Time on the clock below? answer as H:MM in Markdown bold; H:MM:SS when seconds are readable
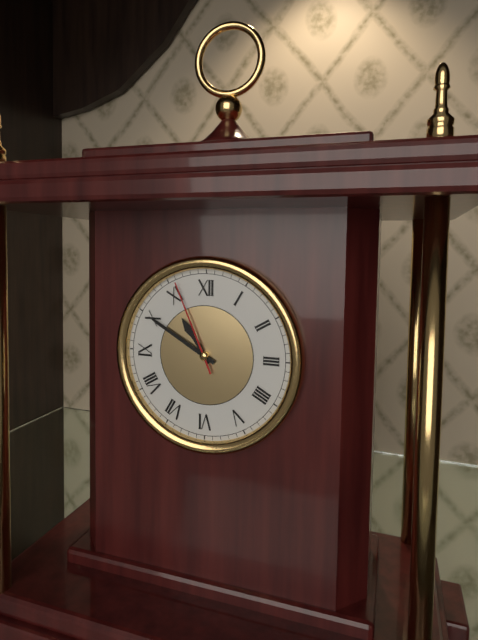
**10:50:56**
